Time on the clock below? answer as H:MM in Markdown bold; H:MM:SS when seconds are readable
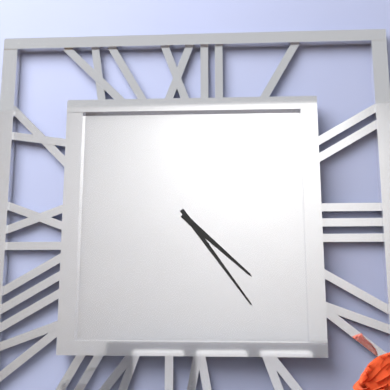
**4:24**
